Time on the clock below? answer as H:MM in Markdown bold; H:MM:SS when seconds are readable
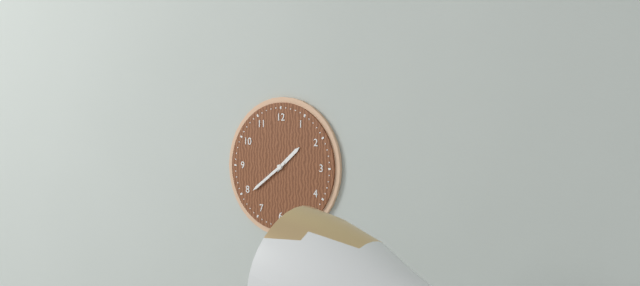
**1:39**
